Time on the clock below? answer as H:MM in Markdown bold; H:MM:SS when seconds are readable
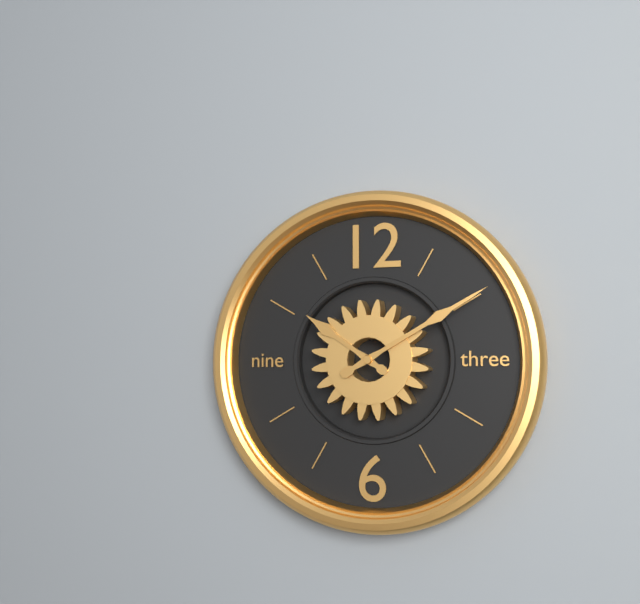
**10:10**
